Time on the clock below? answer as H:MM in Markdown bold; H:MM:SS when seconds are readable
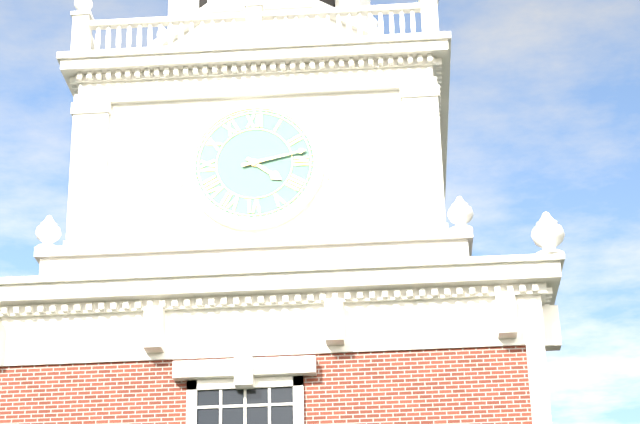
**4:13**
